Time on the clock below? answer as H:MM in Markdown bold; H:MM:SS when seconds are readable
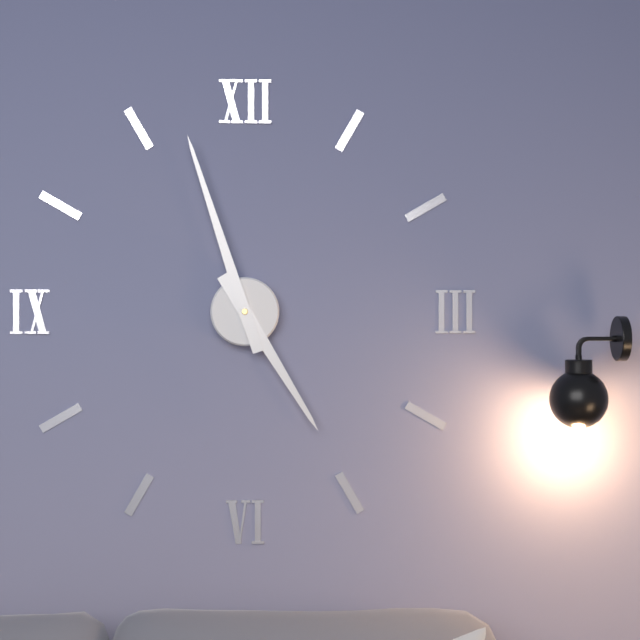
**4:57**
